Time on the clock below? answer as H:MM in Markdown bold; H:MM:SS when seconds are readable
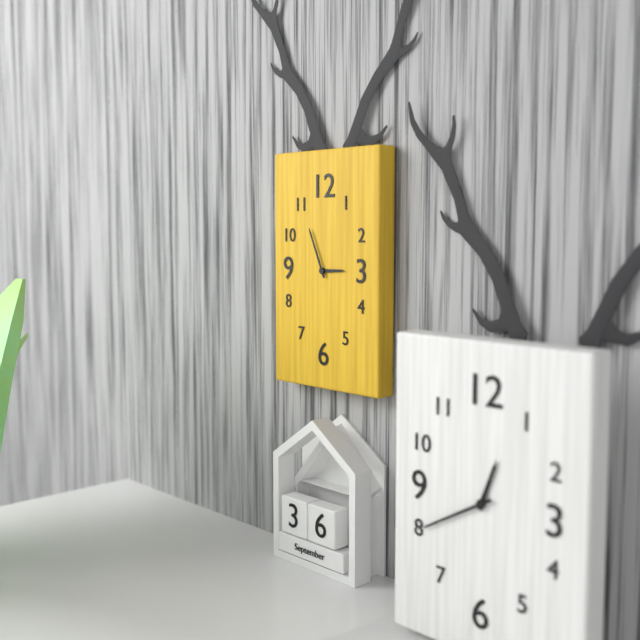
**2:56**
